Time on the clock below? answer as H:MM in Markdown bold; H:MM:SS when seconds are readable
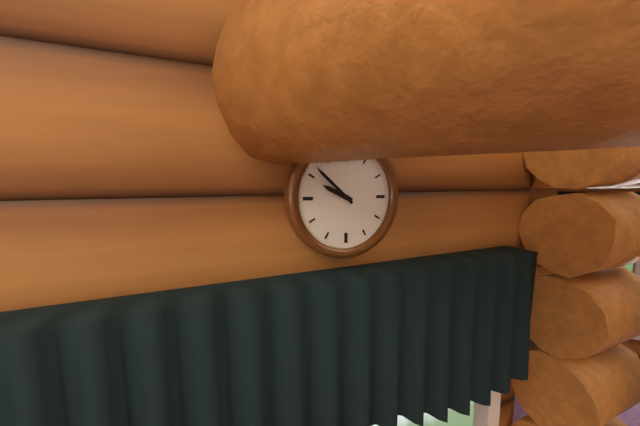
**9:52**
